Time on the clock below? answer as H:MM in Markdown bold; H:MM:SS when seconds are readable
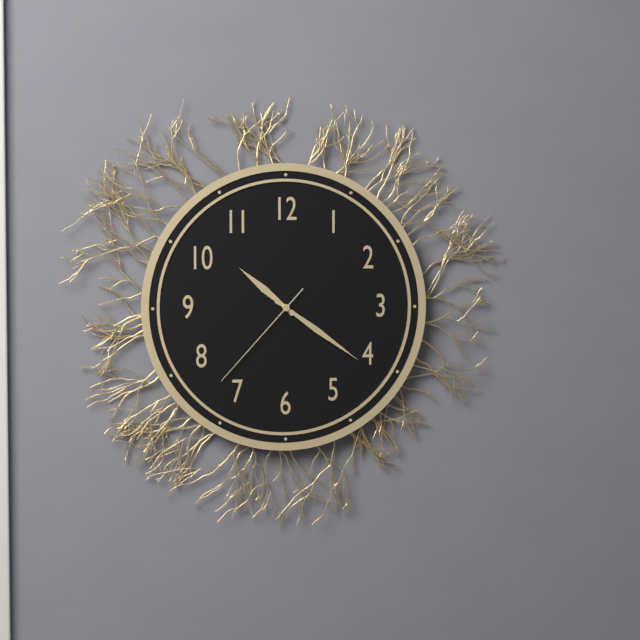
**10:21:37**
